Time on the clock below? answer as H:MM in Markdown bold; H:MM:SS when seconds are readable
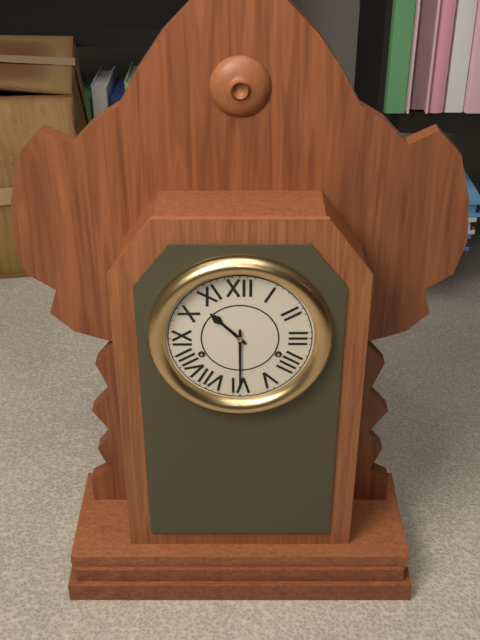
**10:30**
